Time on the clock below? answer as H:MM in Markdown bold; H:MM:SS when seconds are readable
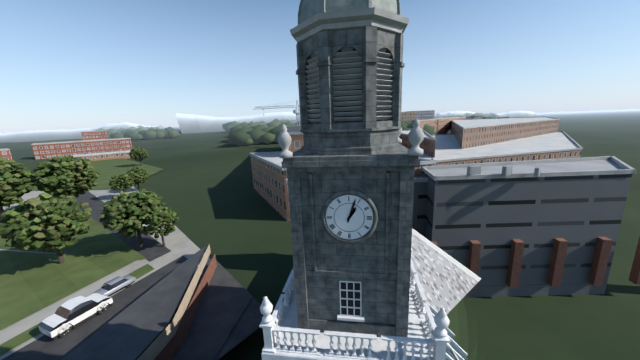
**1:03**
